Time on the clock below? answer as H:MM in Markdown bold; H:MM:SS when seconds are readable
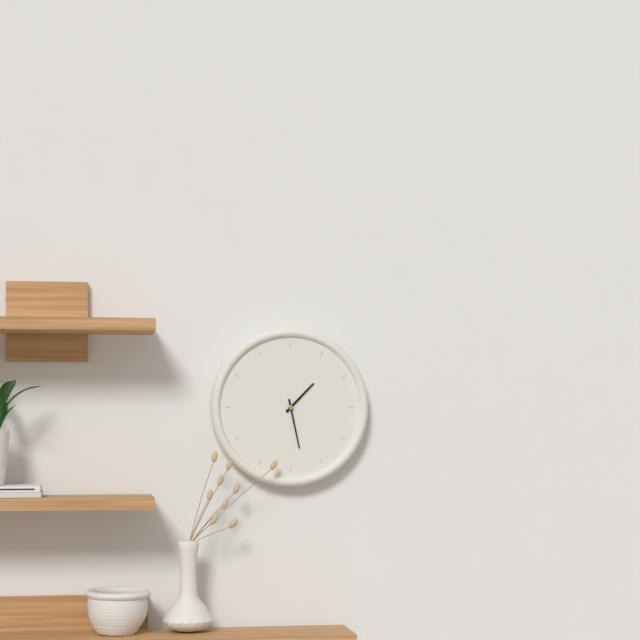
**1:28**
